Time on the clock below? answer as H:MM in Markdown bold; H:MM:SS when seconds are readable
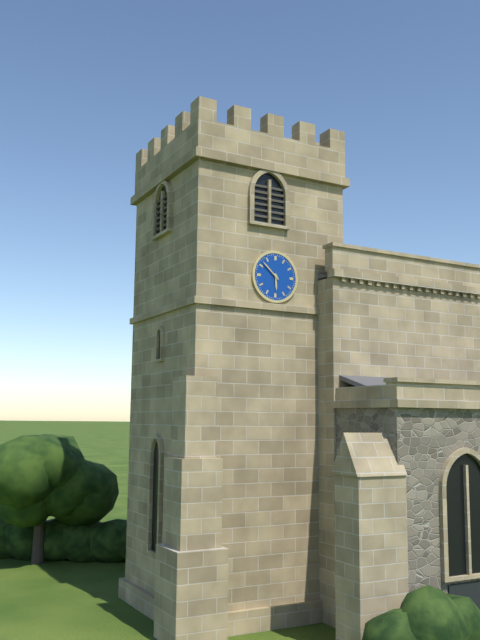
**5:52**
